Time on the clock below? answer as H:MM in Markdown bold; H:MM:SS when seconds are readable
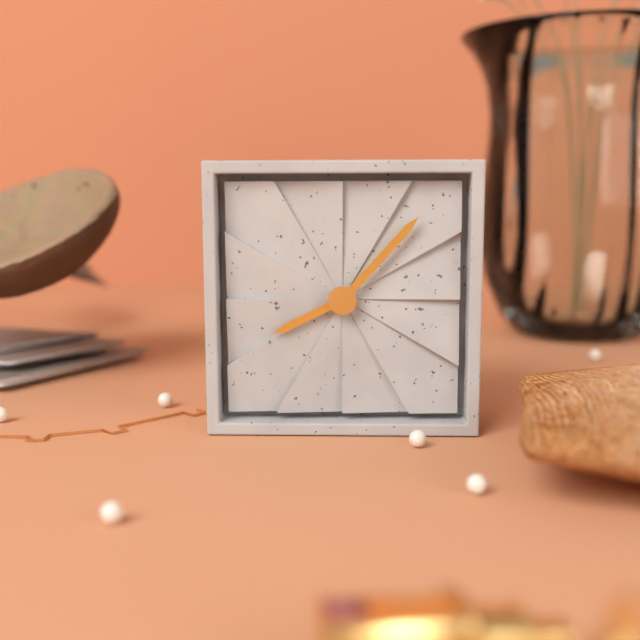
**8:07**
